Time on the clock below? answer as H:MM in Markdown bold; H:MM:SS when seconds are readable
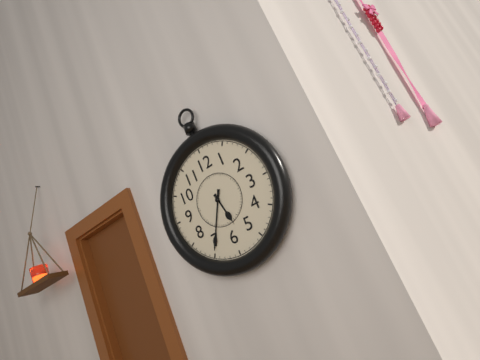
**5:35**
